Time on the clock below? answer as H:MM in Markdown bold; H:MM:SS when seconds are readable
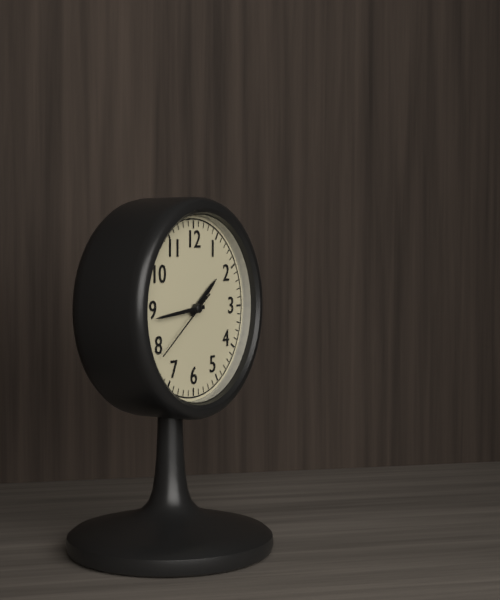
**1:44:39**
